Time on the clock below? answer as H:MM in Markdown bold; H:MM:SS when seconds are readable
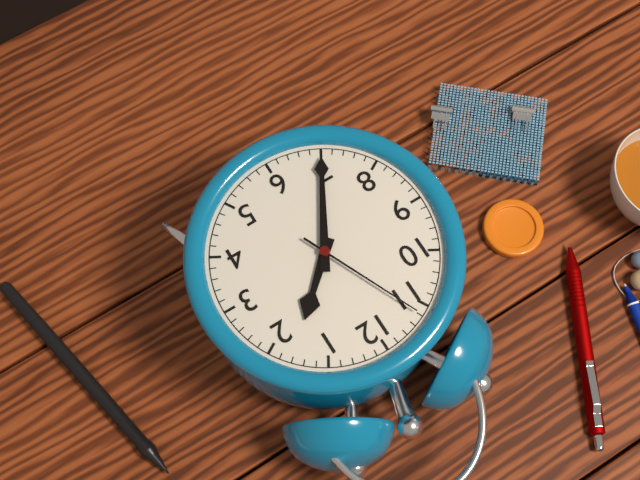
**1:35:56**
